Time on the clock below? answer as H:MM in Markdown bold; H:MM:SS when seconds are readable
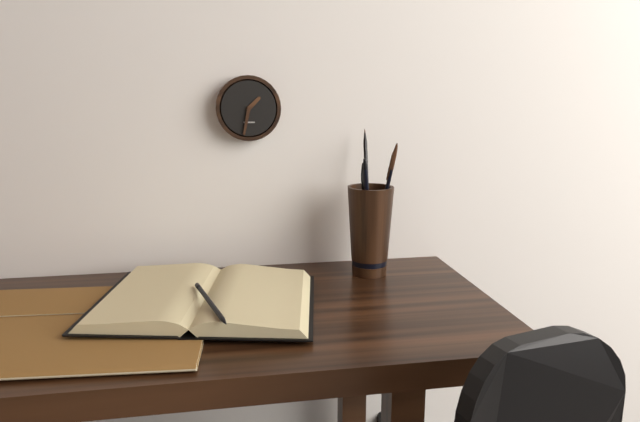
**1:32**
